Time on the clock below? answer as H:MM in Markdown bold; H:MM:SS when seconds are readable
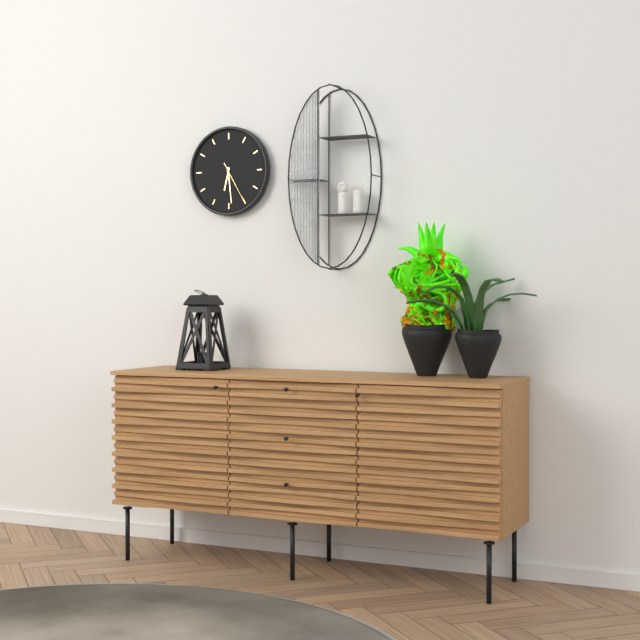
**6:29**
